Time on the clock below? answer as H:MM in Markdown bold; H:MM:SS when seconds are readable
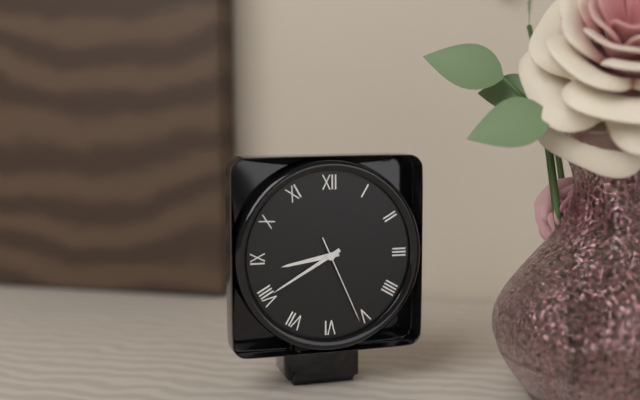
**8:40:26**
